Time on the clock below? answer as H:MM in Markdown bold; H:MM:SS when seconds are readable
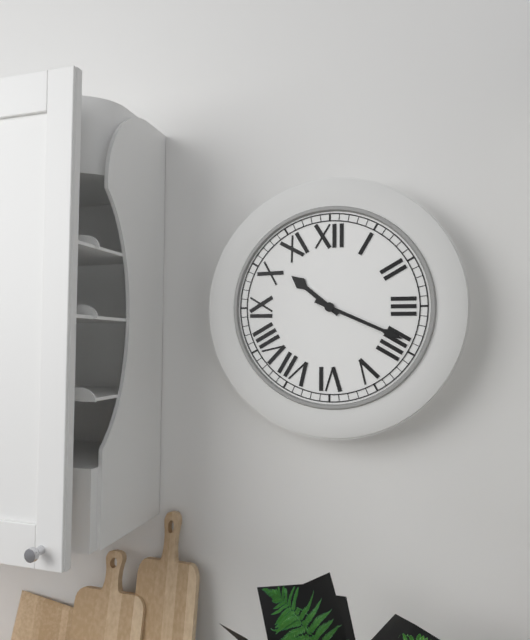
**10:19**
